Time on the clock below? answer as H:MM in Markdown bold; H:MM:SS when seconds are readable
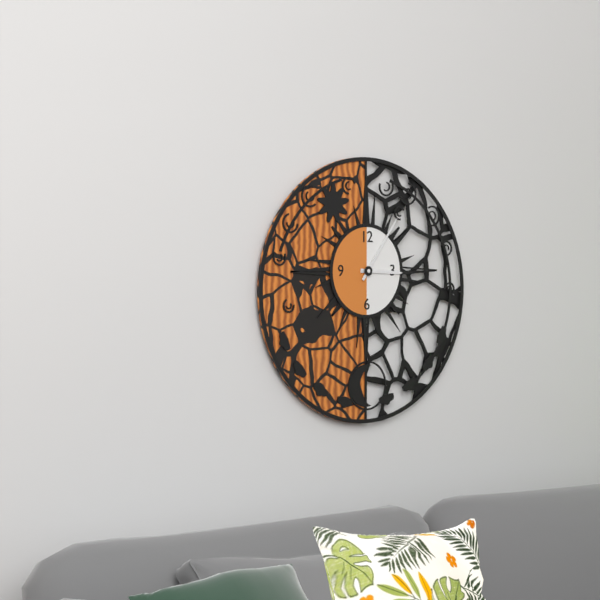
**3:06**
